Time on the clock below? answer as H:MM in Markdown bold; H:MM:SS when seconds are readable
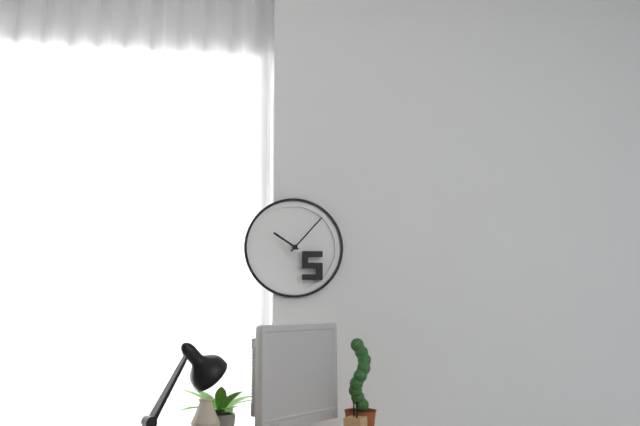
**10:07**
